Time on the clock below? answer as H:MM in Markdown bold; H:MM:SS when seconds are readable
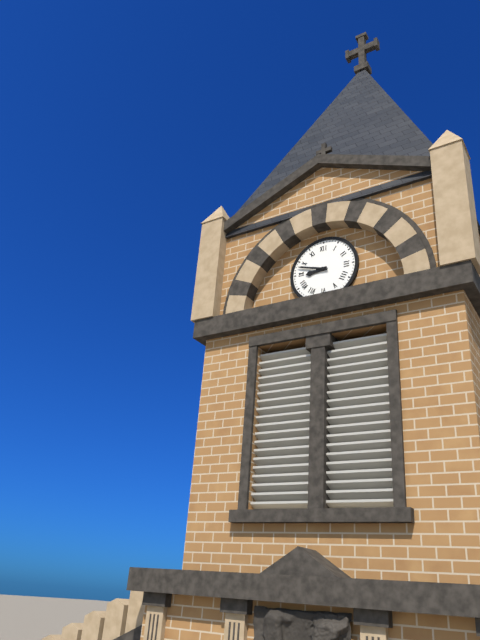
**8:48**
